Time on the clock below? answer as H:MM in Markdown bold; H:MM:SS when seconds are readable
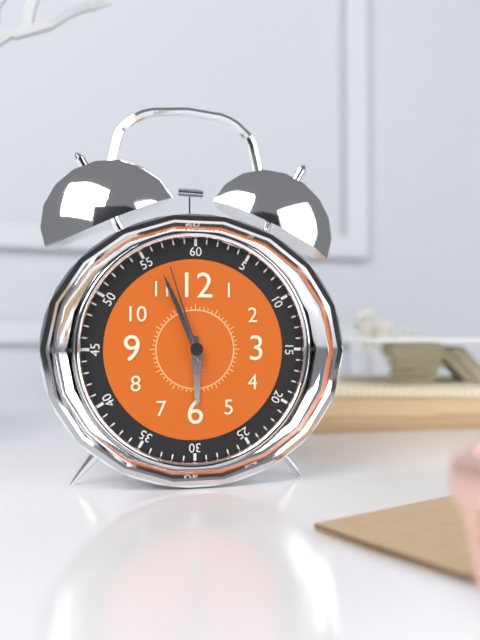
**5:56:57**
